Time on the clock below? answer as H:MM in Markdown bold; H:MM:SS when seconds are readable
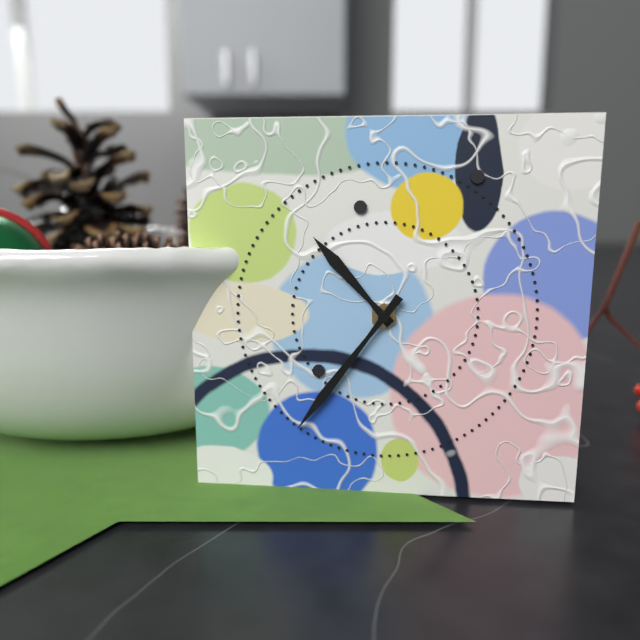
**10:36**
